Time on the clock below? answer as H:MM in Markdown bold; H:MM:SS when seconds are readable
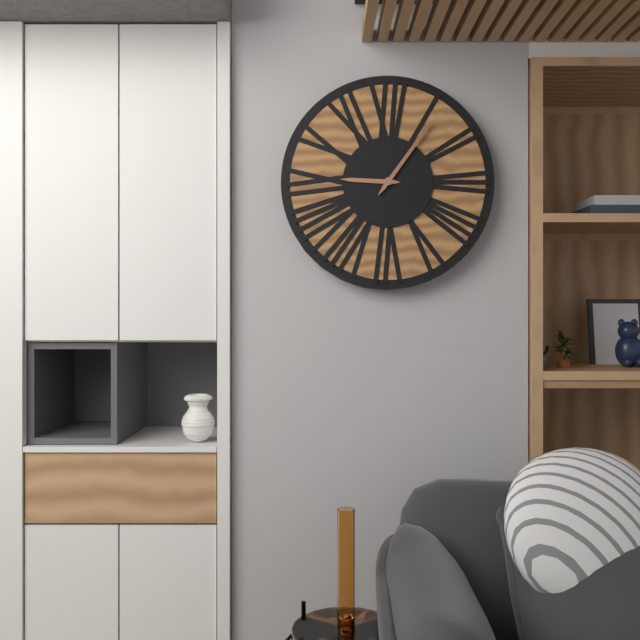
**9:06**
